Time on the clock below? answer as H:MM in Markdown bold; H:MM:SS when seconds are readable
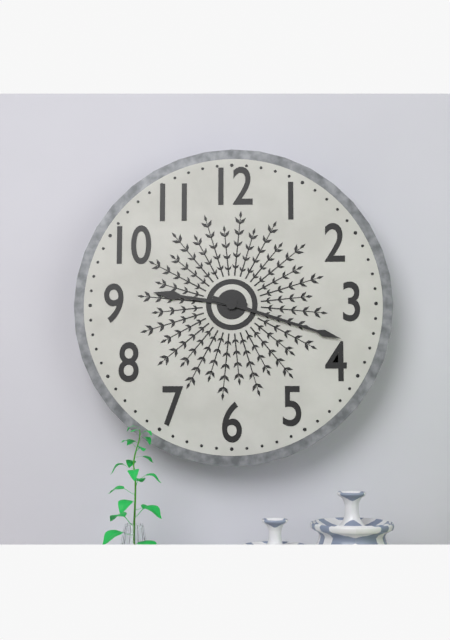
**9:18**
